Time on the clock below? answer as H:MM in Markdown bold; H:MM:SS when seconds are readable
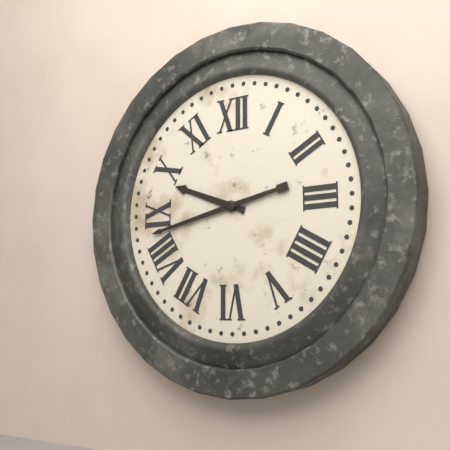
**9:43**
